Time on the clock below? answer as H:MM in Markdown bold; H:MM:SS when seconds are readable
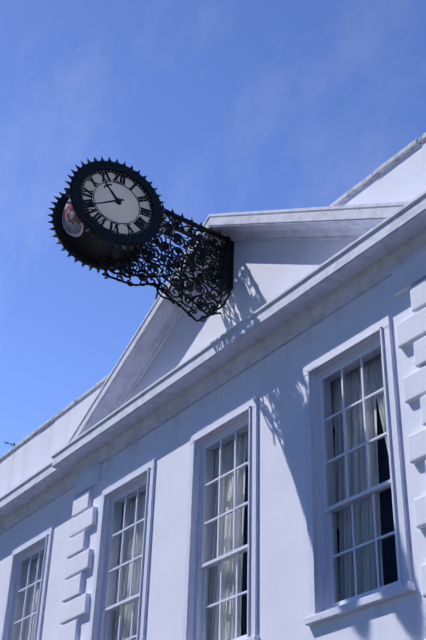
**10:40**
